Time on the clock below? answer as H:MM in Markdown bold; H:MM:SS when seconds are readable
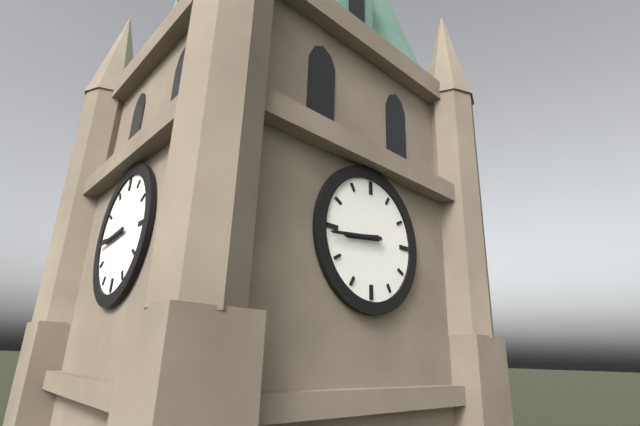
**8:44**
